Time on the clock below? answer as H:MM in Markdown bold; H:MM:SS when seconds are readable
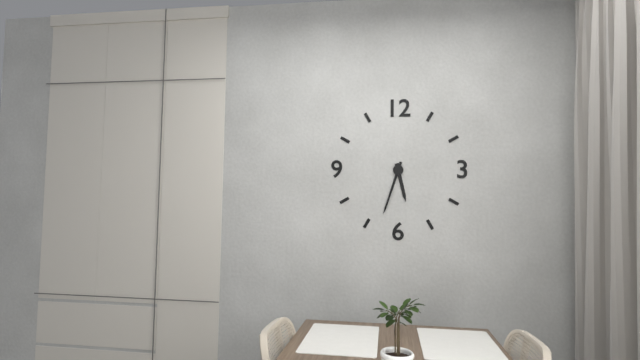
**5:33**
